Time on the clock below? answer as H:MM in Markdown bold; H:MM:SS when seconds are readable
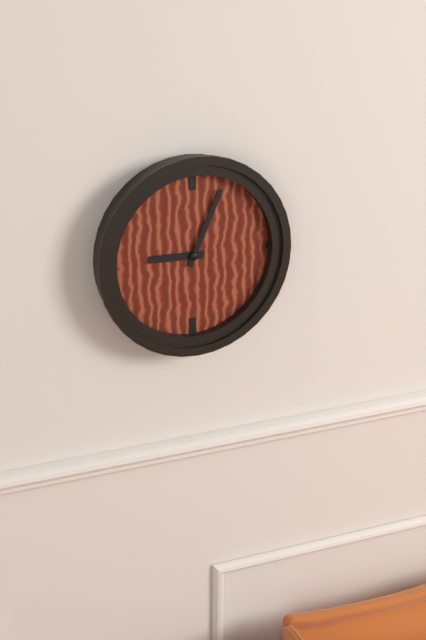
**9:04**
